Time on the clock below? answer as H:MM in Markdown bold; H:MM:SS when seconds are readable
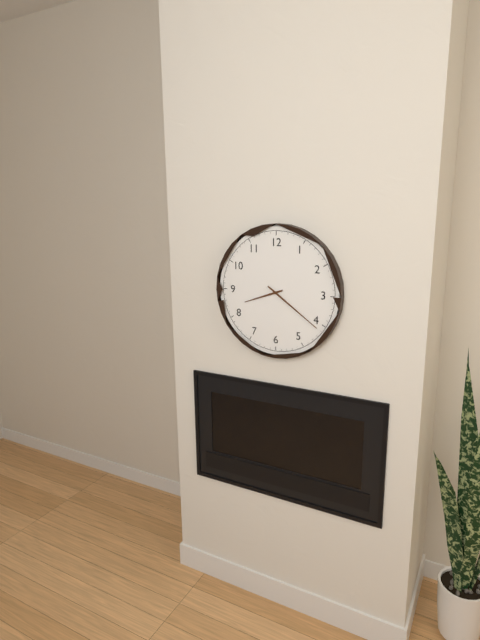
**8:21**
